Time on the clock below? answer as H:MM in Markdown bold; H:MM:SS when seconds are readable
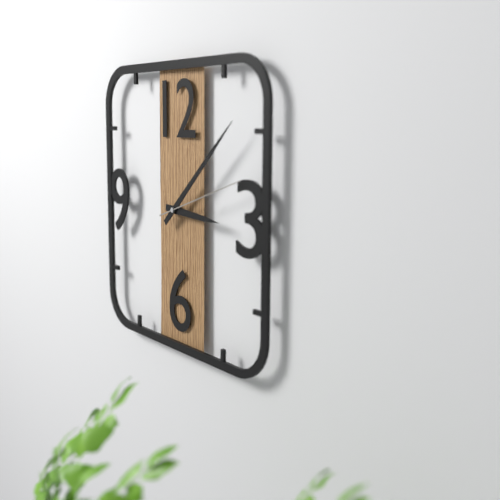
**3:08:12**
